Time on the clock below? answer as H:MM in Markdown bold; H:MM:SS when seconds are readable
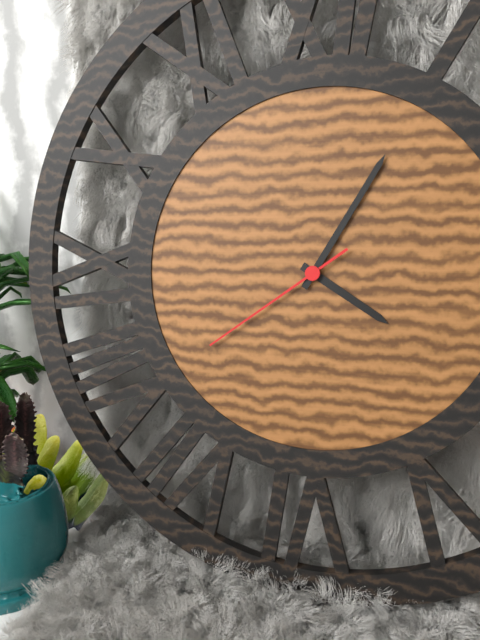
**4:05:39**
